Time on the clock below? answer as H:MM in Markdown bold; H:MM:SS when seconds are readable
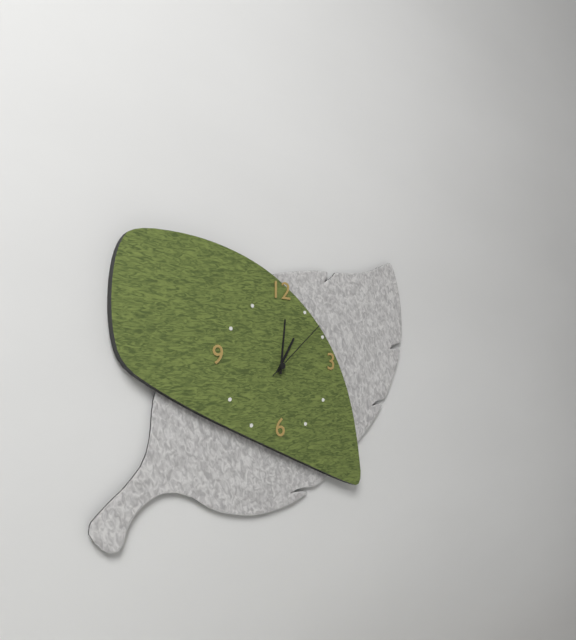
**1:01:08**
